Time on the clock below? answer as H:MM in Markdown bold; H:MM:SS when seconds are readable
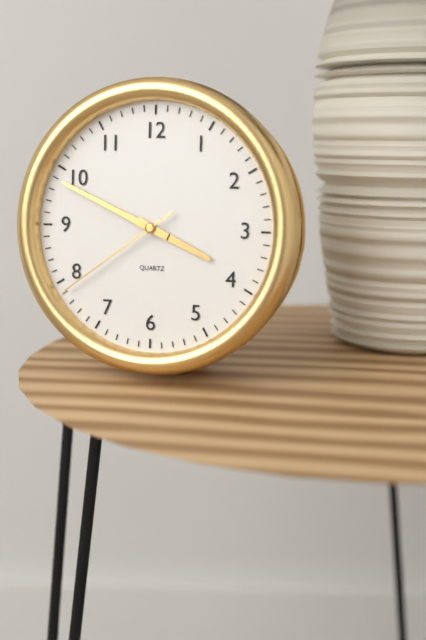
**3:49:39**
